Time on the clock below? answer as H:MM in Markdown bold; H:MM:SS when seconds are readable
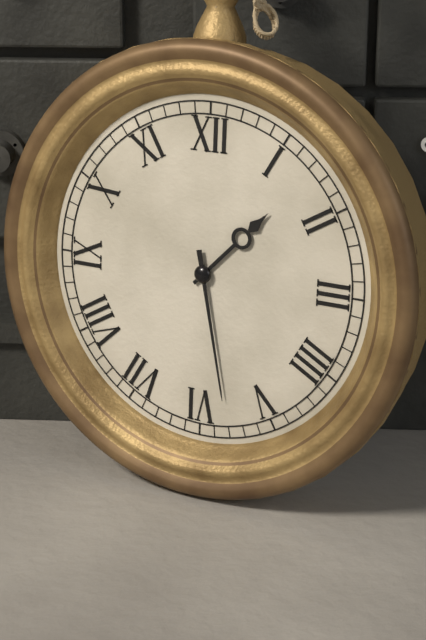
**1:28**
